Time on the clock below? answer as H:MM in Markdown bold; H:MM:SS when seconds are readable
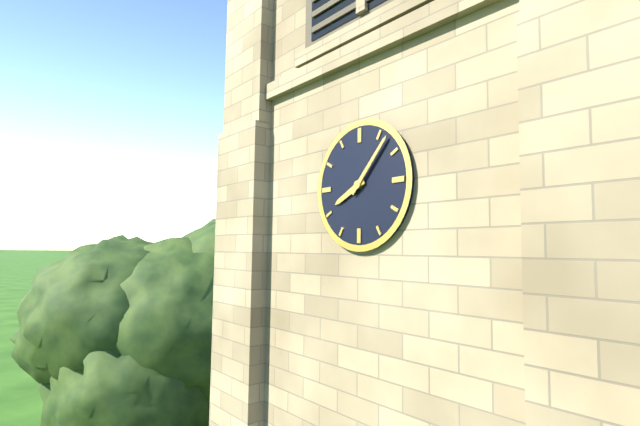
**8:07**
